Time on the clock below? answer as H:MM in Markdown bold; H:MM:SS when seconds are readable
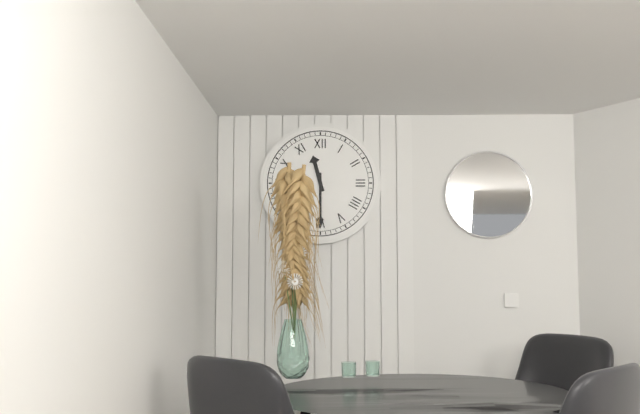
**11:30**
